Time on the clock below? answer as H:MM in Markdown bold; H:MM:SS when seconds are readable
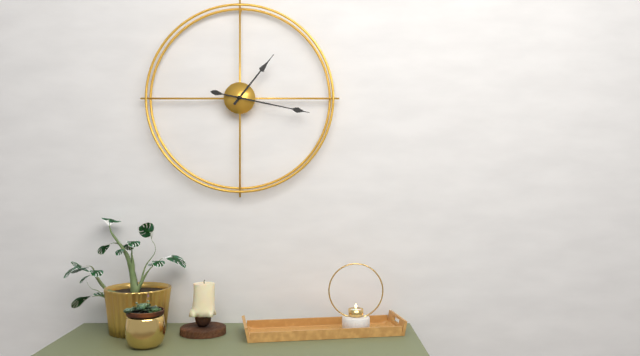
**1:17**
